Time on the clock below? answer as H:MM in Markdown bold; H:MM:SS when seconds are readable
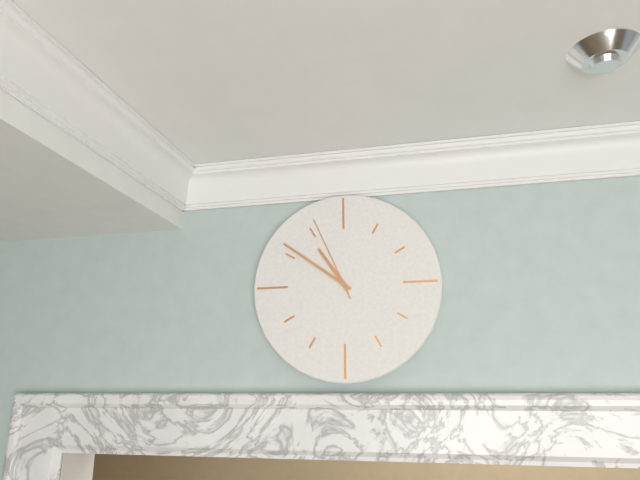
**10:51:56**
